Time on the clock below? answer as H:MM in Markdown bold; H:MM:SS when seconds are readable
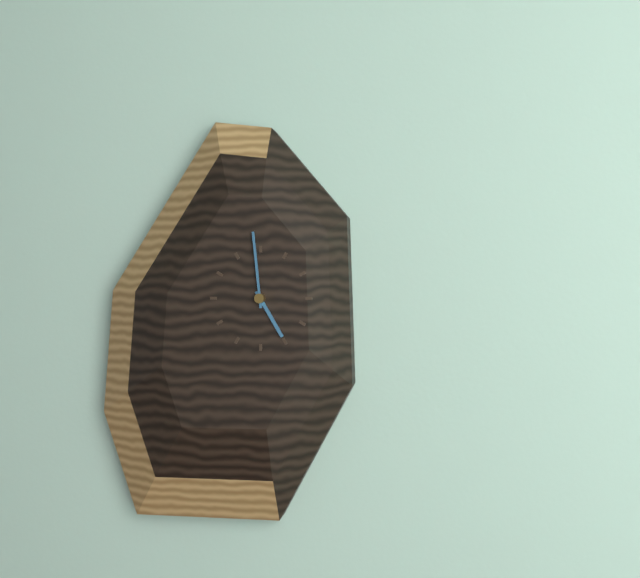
**4:59**
